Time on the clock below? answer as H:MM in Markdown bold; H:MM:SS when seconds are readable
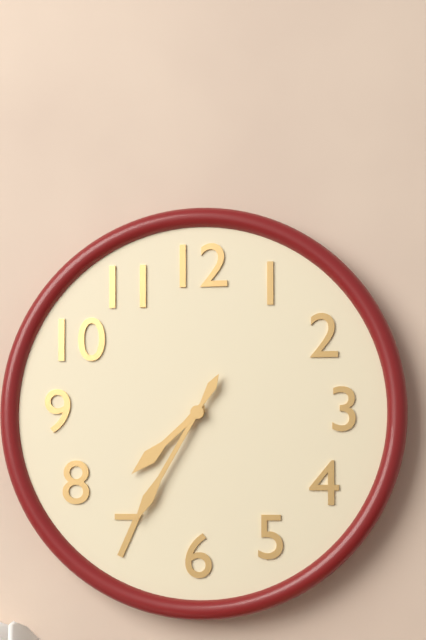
**7:35**
